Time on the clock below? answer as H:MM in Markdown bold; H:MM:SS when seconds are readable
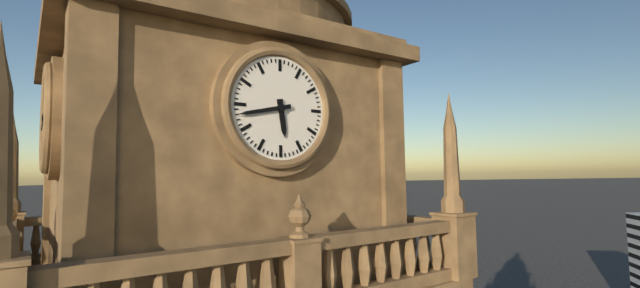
**5:43**
